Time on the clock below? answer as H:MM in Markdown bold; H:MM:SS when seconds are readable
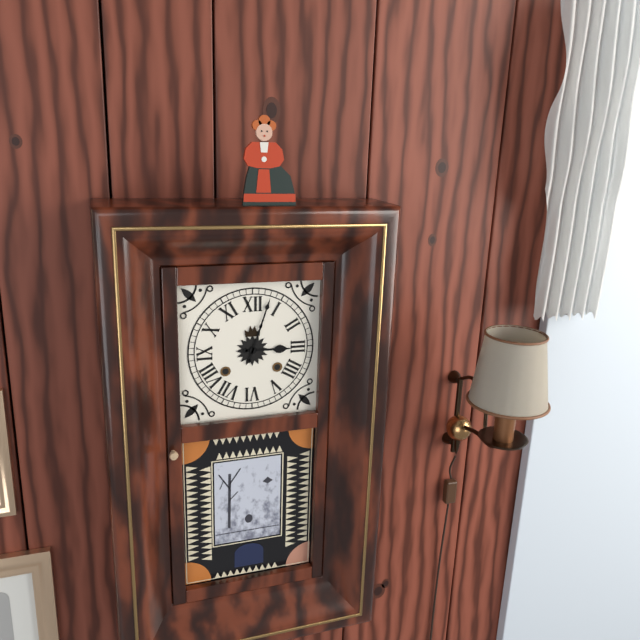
**3:03**
